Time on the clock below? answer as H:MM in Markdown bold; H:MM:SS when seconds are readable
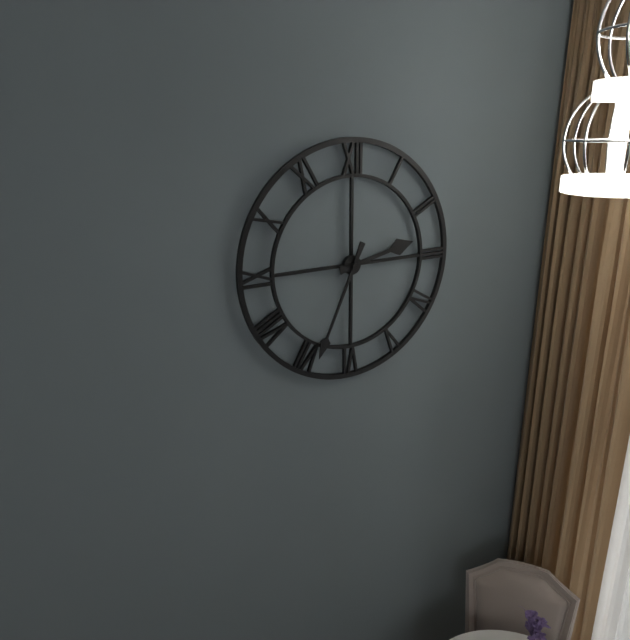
**2:34**
